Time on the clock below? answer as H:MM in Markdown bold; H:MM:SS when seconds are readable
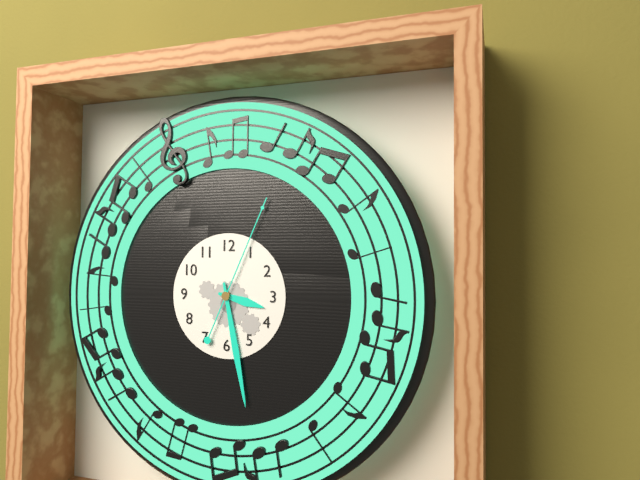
**3:28:04**
